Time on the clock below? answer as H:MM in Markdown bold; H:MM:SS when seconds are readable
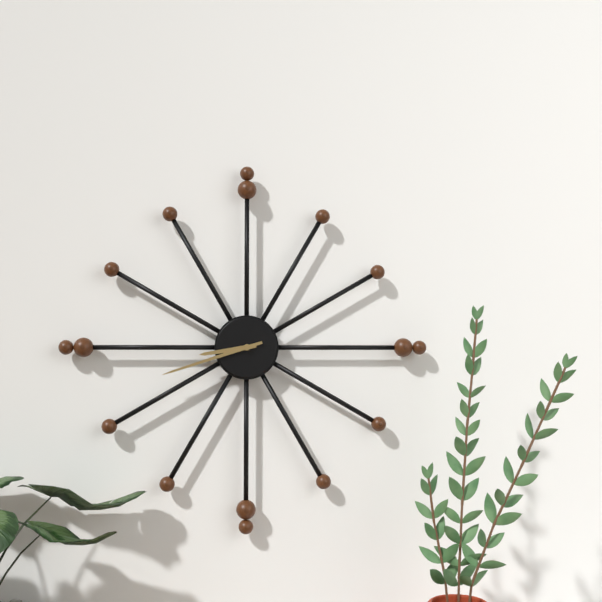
**8:42**
